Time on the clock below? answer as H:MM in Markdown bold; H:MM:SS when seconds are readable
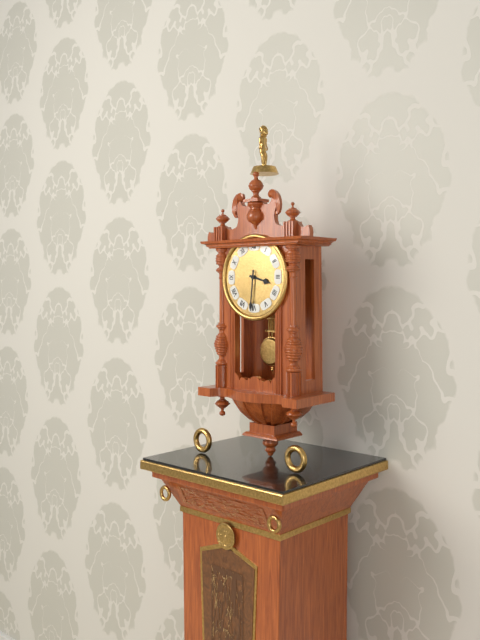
**3:31**
